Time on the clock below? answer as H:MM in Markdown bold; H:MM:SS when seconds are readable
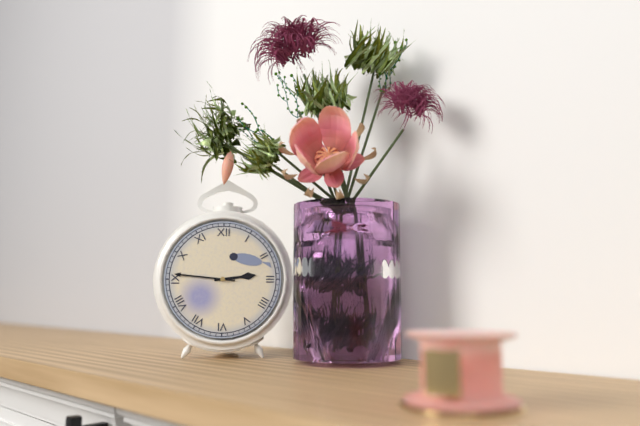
**2:46**
